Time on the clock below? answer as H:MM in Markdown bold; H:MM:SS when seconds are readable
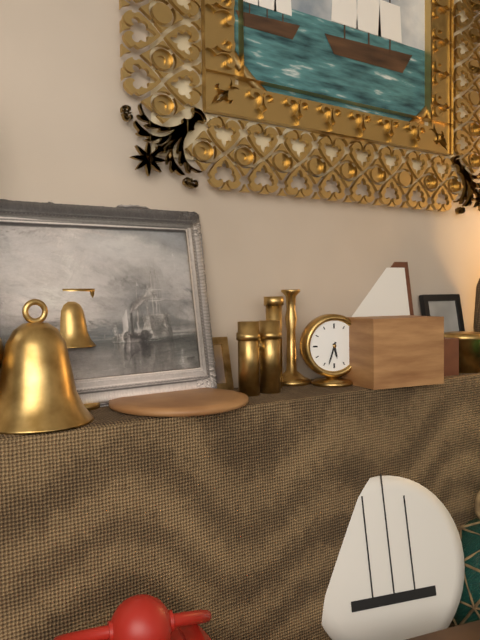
**5:33**
